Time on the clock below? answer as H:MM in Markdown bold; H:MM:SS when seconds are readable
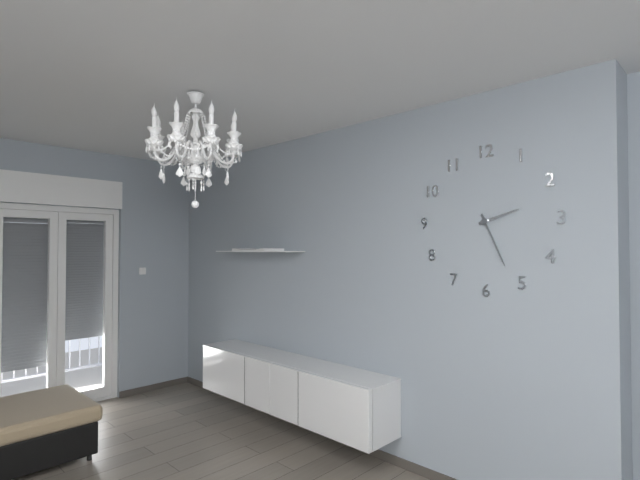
**2:26**
